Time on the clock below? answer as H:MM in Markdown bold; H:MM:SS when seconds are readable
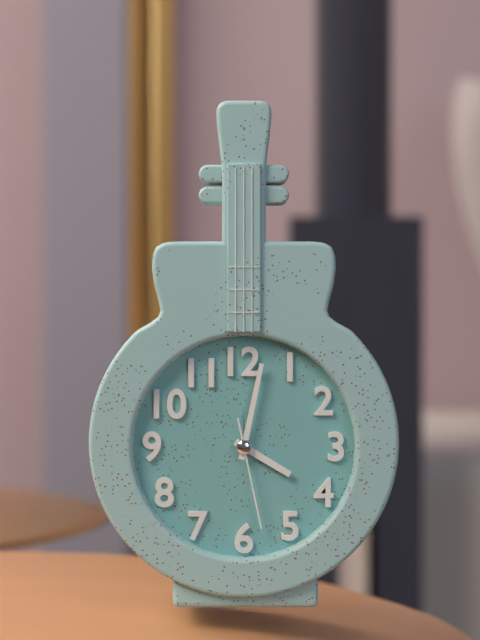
**4:02:28**
